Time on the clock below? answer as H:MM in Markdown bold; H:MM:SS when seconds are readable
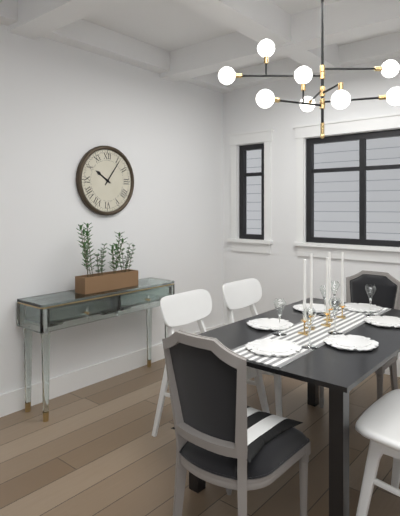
**10:06**
